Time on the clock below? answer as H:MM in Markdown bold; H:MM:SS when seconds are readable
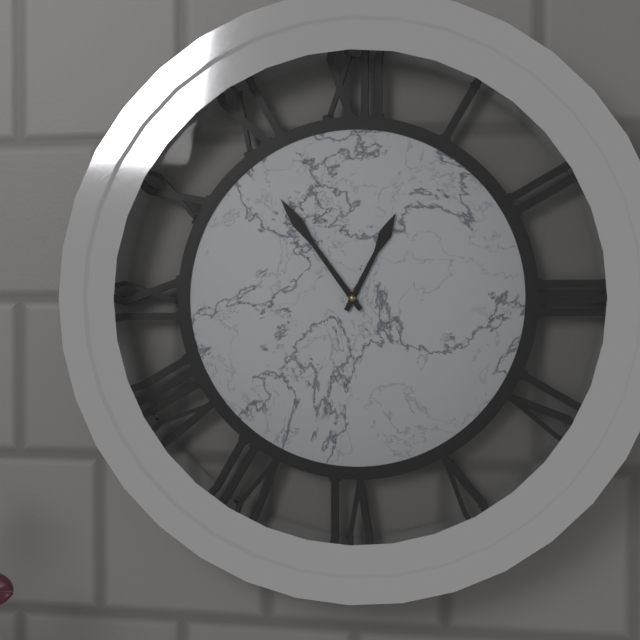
**12:54**
